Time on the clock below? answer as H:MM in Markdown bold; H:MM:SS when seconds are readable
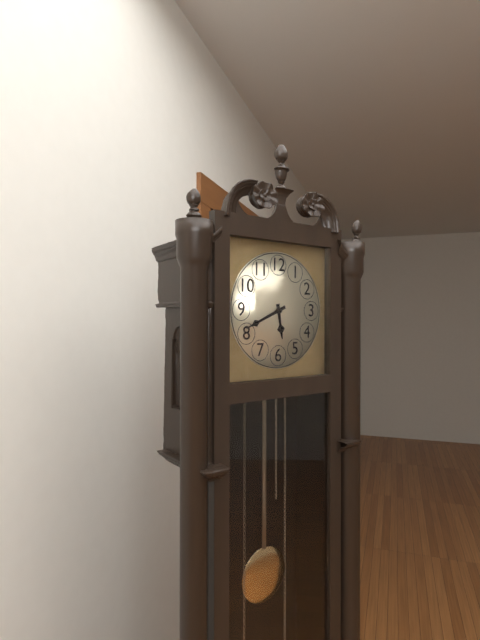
**5:41**
